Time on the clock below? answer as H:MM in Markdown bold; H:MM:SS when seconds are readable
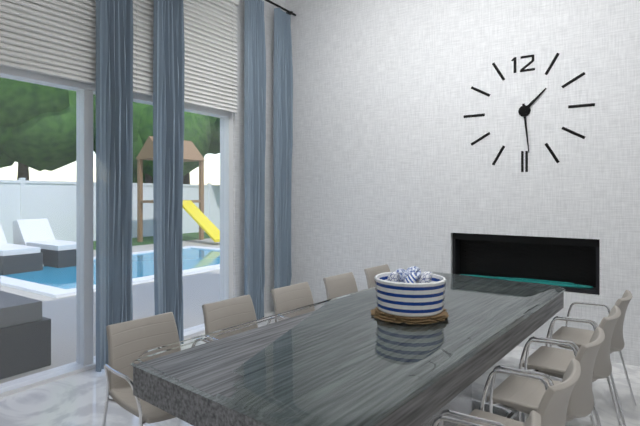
**1:29**
